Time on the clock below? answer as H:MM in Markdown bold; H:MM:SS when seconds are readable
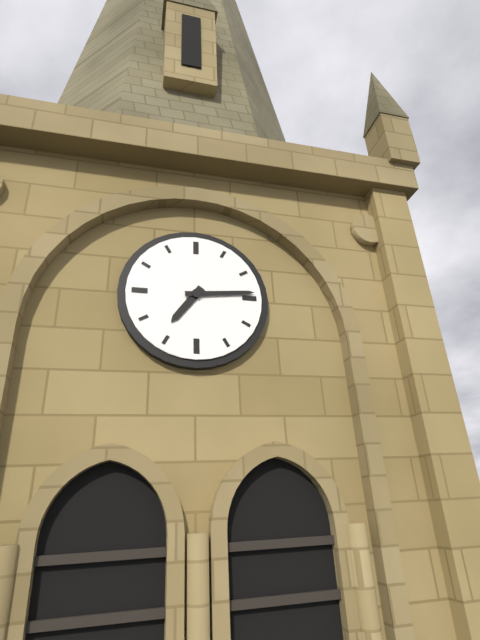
**7:14**
